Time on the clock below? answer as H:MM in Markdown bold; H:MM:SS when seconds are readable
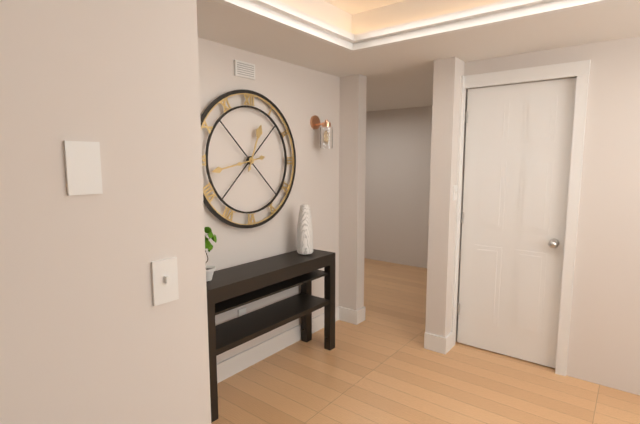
**12:43**
